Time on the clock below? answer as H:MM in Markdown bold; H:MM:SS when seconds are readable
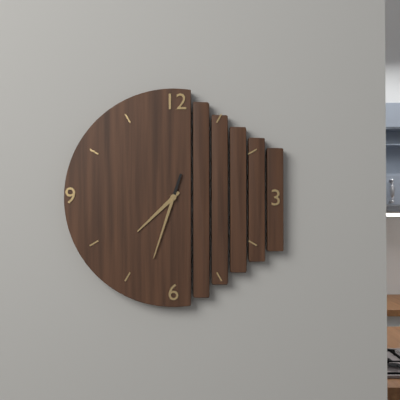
**7:33**
